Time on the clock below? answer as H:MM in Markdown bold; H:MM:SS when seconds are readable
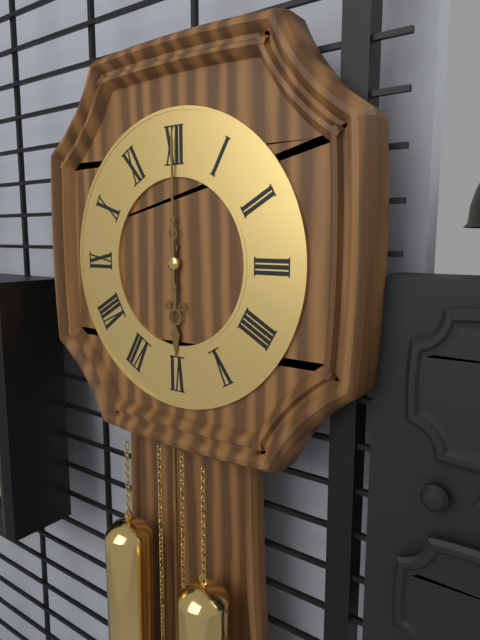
**6:00**
